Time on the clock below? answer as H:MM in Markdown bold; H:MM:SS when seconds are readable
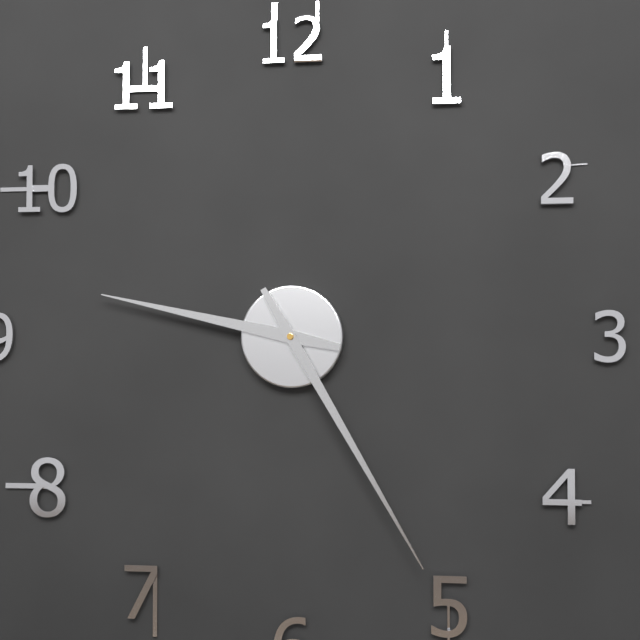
**9:25**
